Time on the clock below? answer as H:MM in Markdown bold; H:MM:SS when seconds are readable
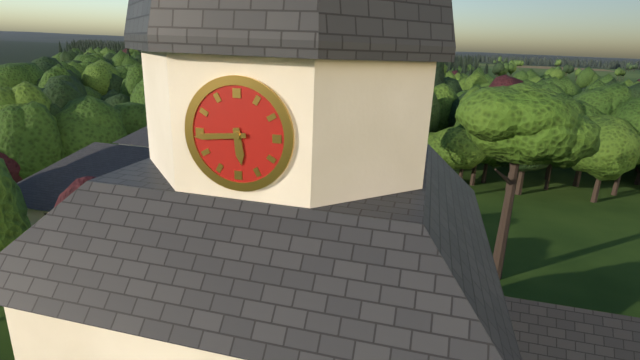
**5:44**
